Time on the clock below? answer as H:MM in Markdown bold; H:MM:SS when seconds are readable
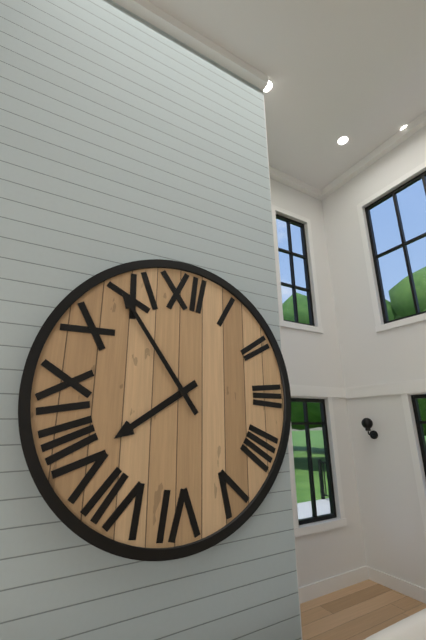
**7:54**
